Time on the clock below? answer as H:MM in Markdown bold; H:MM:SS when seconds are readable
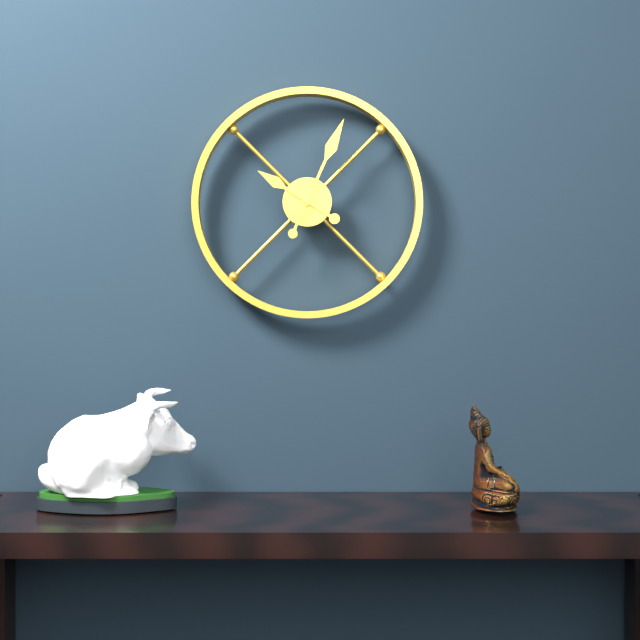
**10:04**
